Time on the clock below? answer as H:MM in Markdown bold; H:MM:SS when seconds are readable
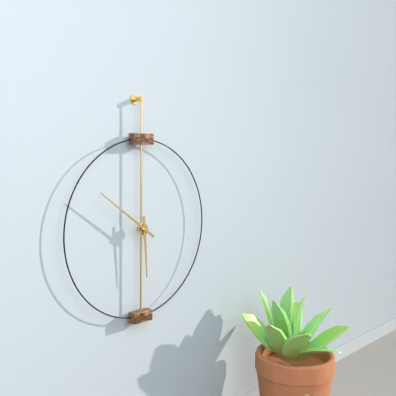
**5:51**
